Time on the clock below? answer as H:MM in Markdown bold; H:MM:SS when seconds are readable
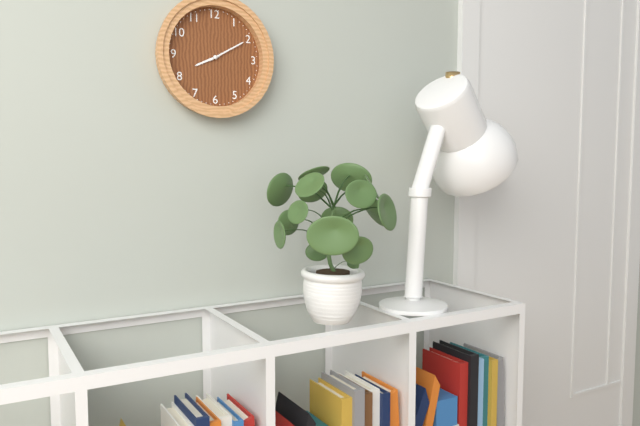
**8:10**
